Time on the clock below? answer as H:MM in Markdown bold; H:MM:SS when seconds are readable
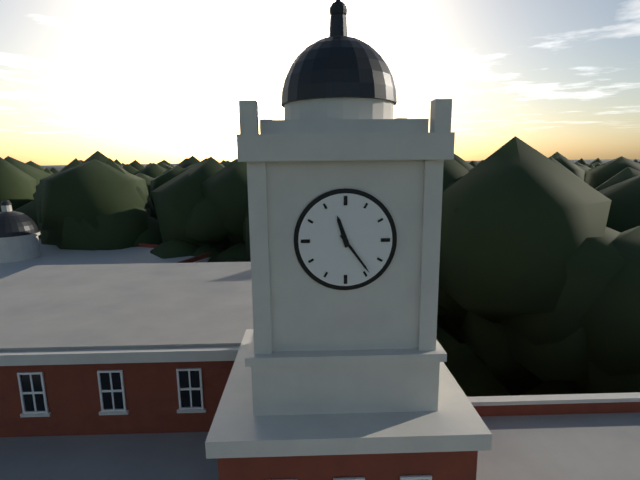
**11:24**
